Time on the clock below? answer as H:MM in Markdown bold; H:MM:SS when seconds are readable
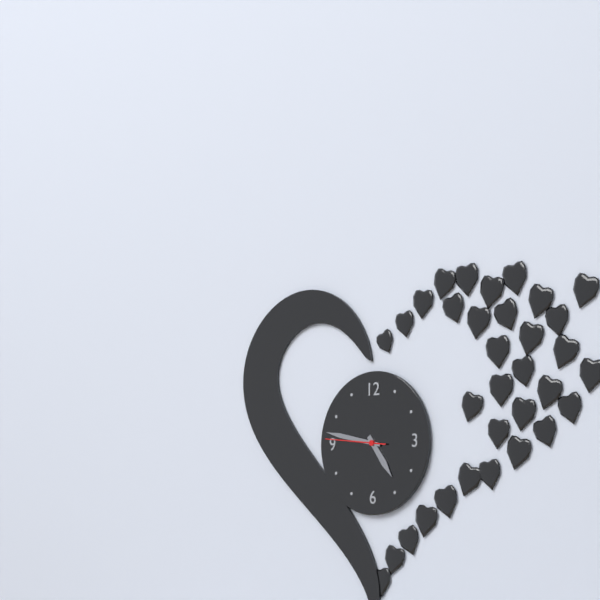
**4:47:46**
